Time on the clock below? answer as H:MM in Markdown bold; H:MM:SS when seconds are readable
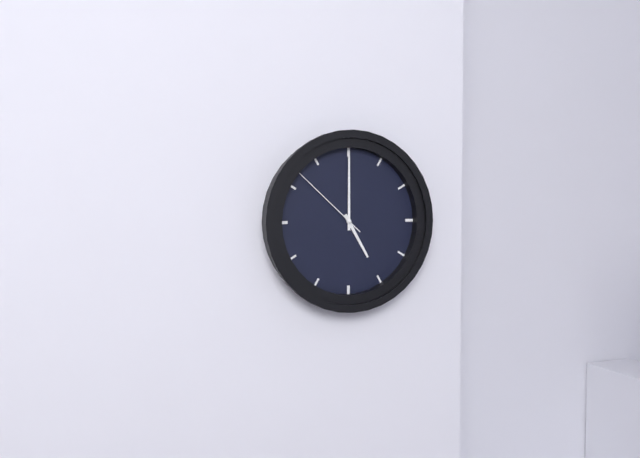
**5:00:52**
